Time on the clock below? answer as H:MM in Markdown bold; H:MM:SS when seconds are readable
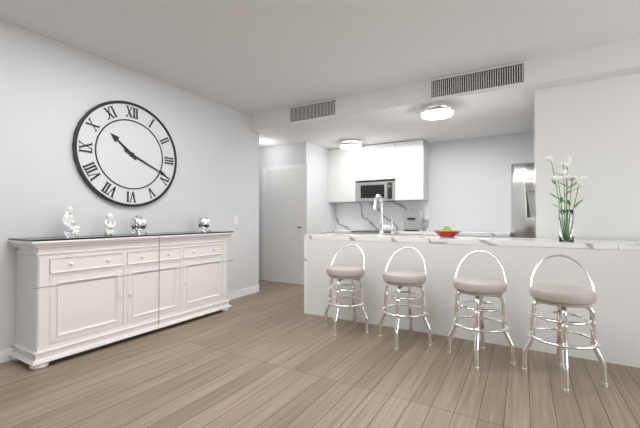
**10:19**
